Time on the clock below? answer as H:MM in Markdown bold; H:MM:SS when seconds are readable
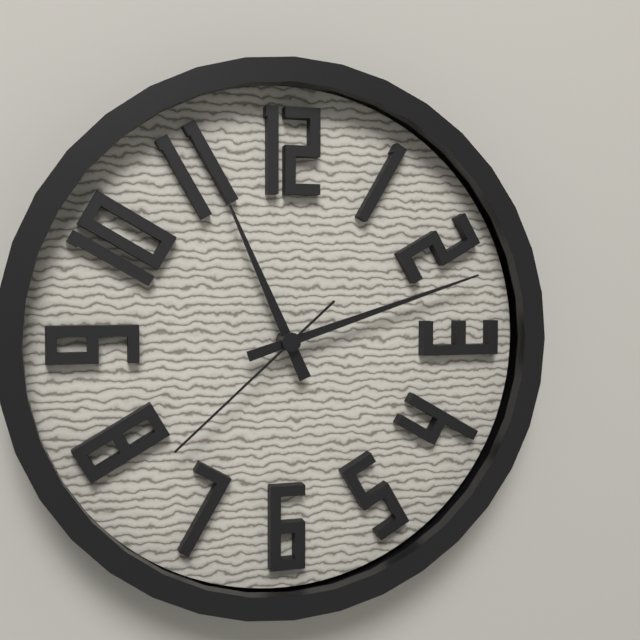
**11:12:38**
